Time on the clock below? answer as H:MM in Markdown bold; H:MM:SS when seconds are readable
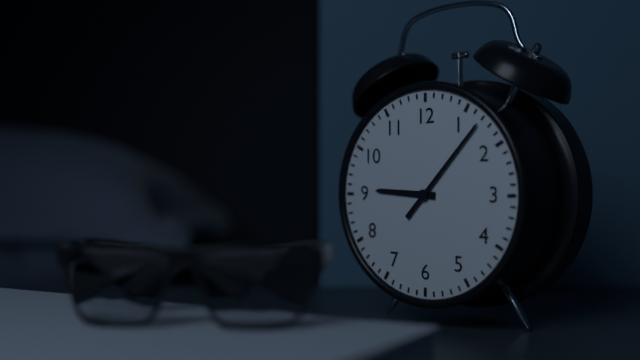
**9:07**
